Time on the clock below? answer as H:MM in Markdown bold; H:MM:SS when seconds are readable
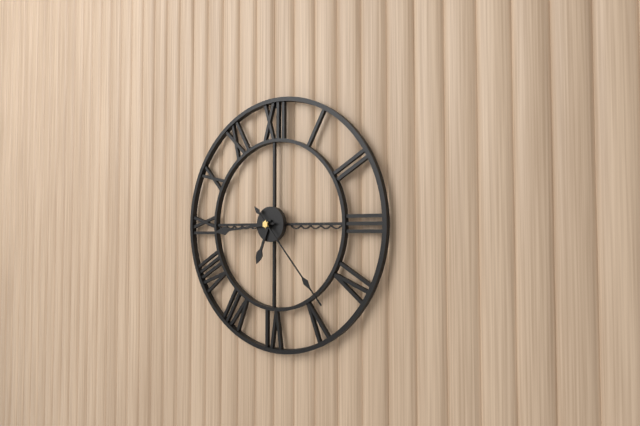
**6:44:23**
